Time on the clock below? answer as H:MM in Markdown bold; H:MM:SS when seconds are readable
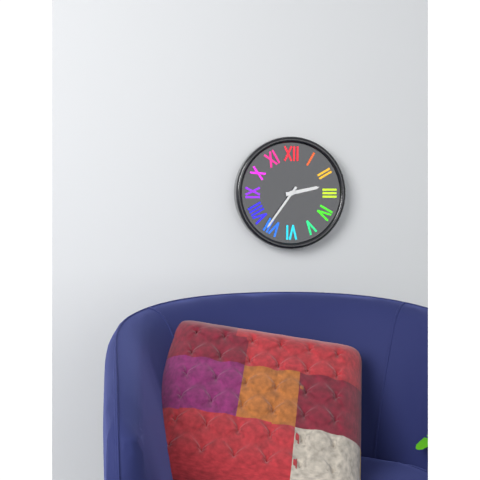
**2:36**
